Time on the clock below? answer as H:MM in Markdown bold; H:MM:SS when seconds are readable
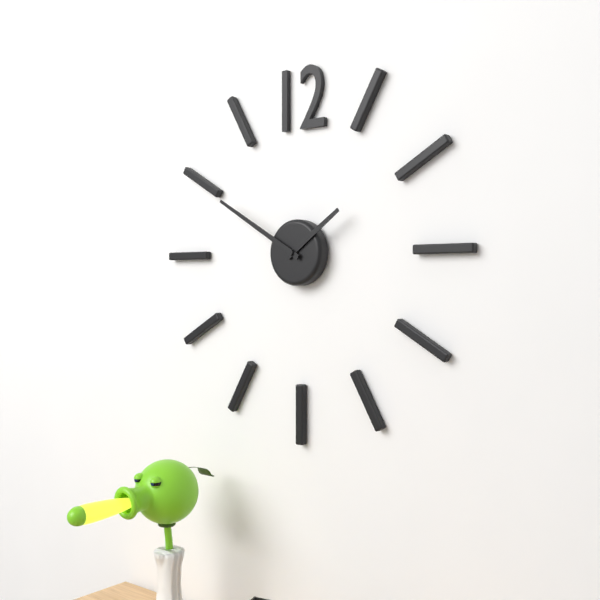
**1:50**
